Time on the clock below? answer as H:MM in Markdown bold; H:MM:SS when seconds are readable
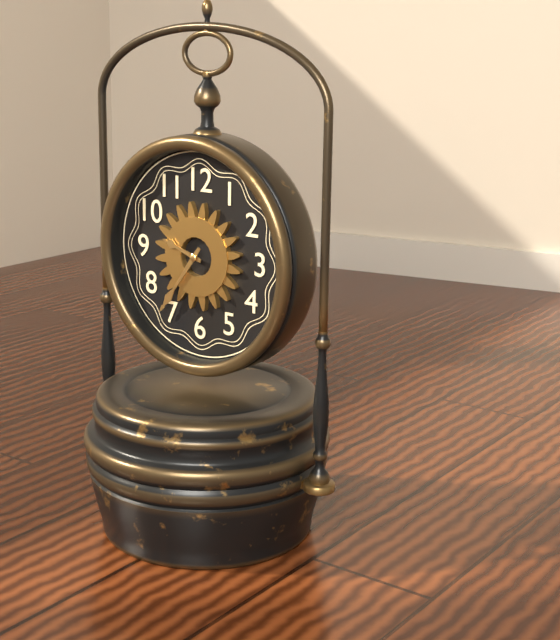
**9:36**
